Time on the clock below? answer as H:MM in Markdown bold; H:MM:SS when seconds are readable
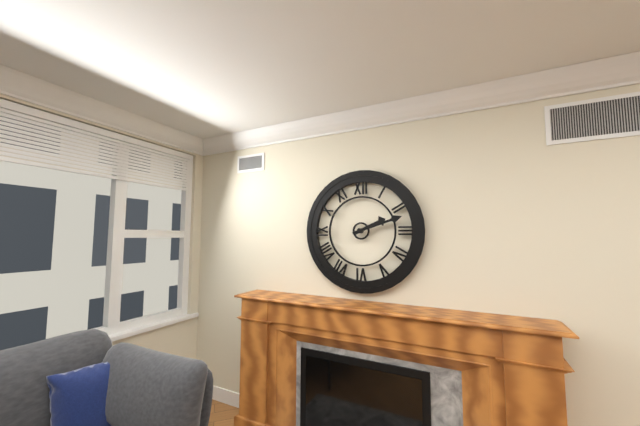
**2:12**
